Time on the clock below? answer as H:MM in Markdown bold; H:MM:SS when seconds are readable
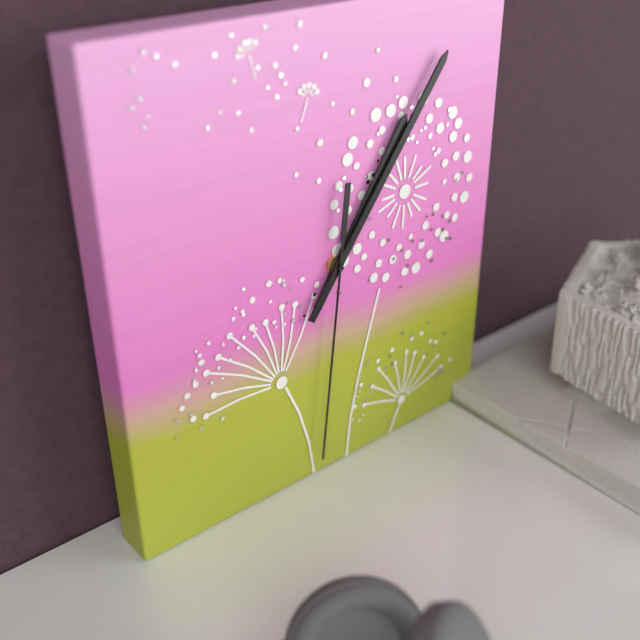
**1:06:31**
